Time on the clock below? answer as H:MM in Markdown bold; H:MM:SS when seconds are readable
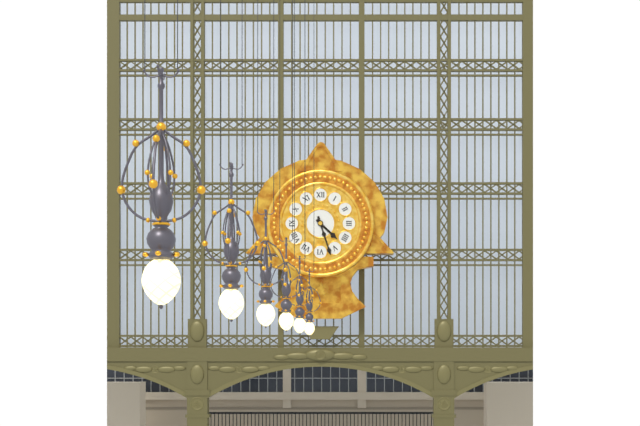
**4:27**
